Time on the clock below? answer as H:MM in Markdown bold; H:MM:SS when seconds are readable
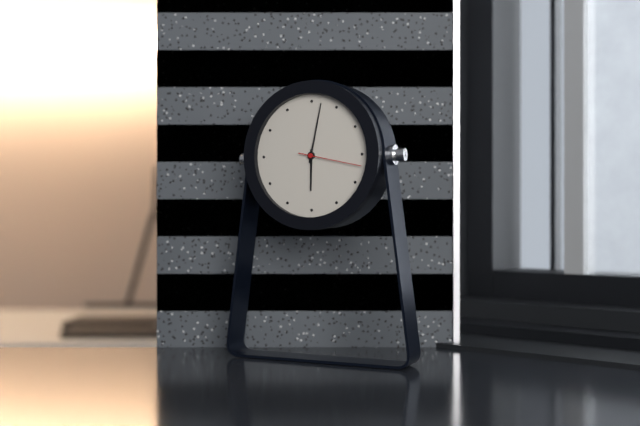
**6:02:17**
